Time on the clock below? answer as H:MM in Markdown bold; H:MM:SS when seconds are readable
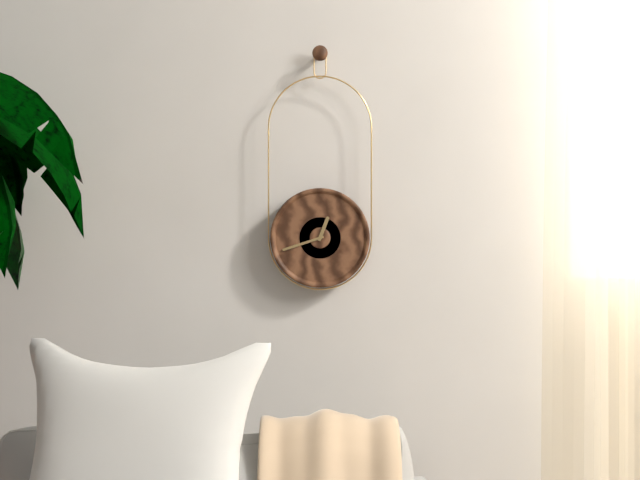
**12:42**
